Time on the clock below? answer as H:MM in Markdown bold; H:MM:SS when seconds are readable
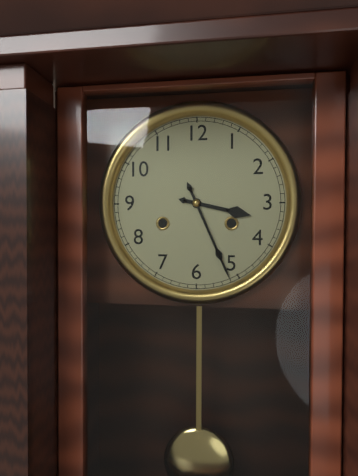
**3:26**
